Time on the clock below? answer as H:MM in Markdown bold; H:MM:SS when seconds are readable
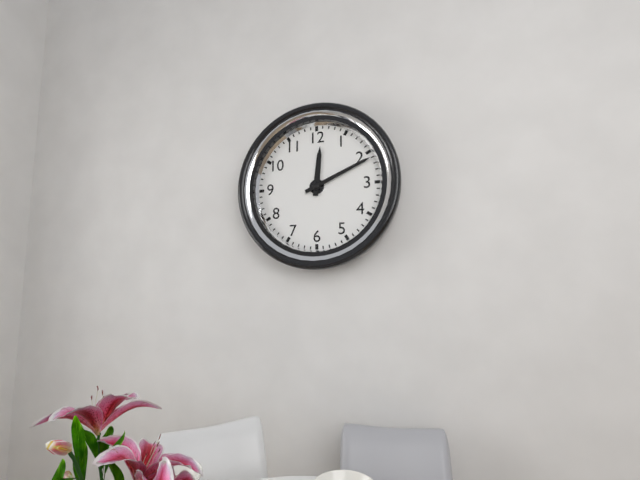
**12:11**
